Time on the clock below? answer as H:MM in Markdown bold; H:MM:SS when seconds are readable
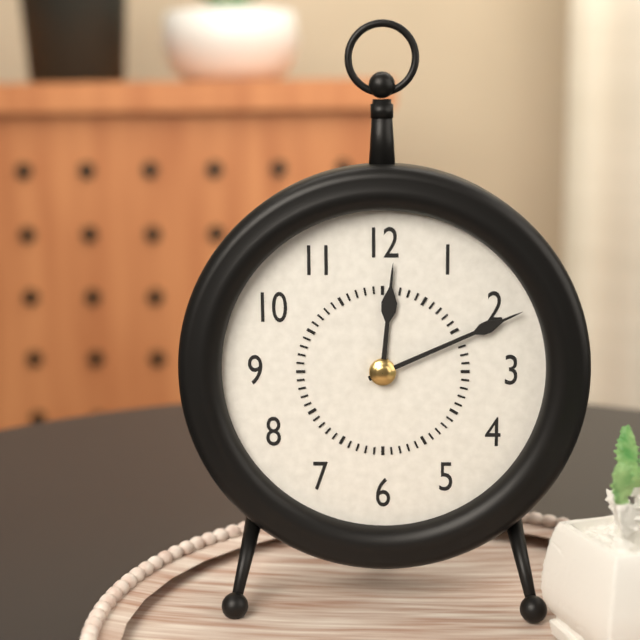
**12:11**
